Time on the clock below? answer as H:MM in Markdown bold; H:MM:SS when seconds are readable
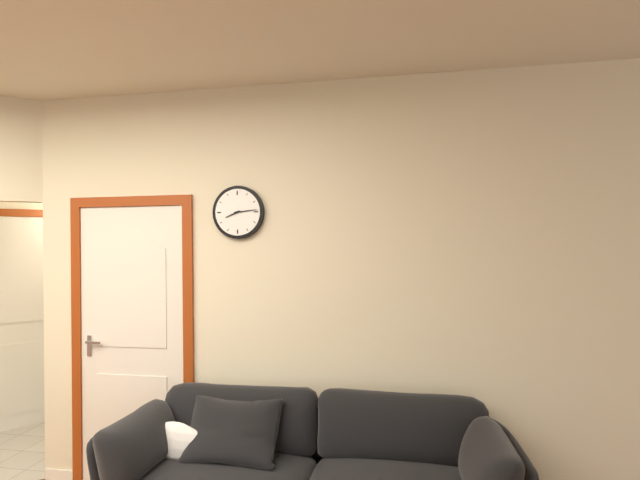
**8:14**
